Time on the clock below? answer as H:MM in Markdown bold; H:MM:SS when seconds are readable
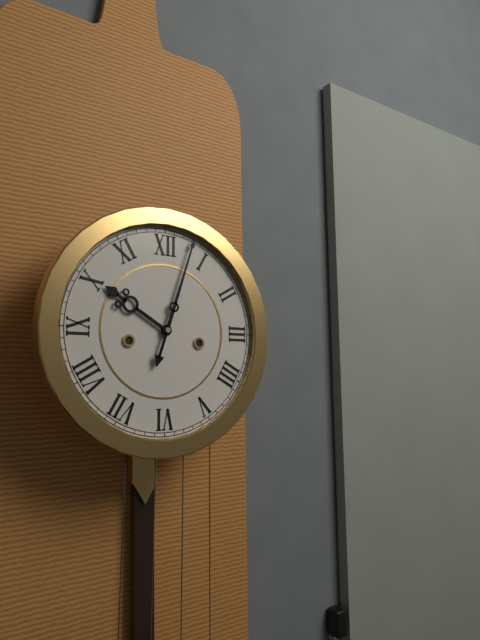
**10:03**
